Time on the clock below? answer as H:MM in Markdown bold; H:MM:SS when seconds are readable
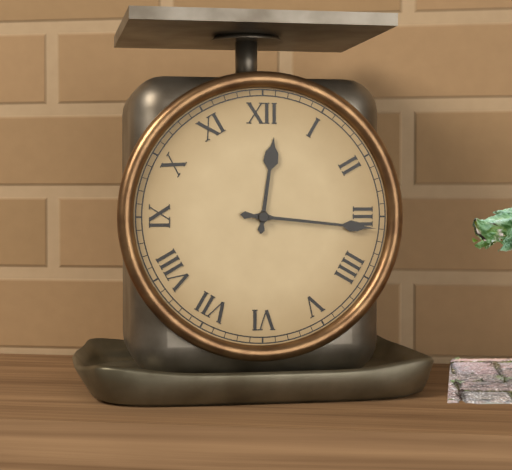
**12:16**
